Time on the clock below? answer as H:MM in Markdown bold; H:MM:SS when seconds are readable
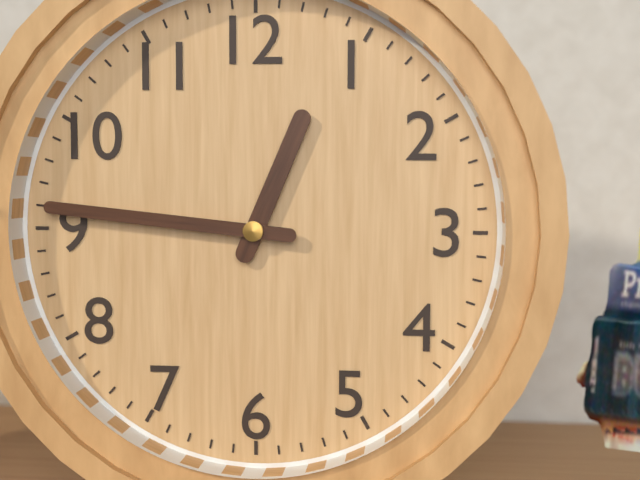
**12:46**
